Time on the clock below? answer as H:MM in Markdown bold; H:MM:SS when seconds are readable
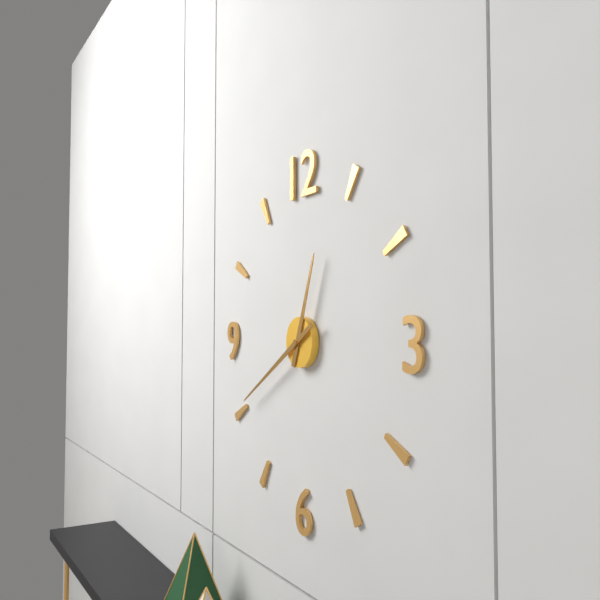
**12:40**
